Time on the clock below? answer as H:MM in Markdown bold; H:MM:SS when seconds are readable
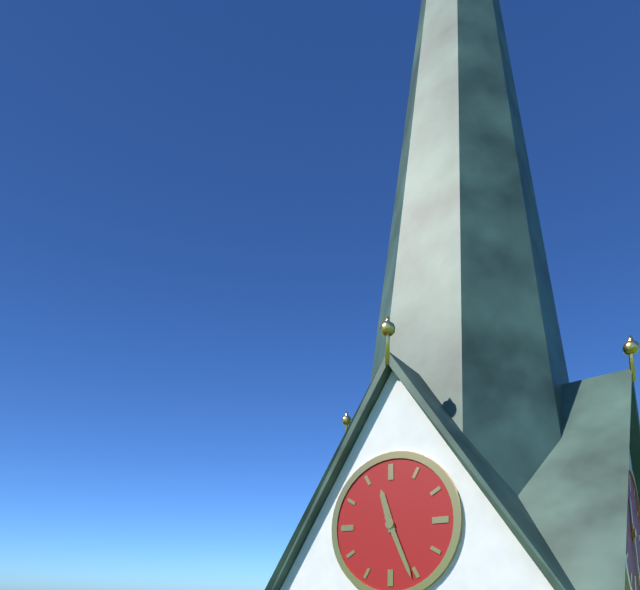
**11:26**
